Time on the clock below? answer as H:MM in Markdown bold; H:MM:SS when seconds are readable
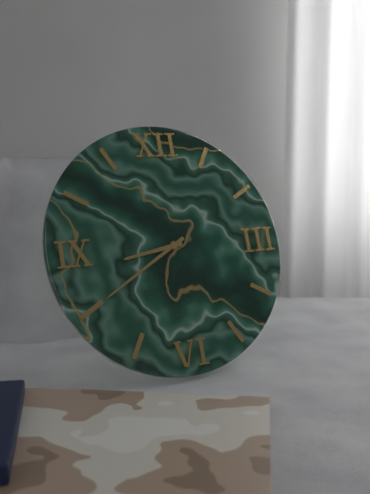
**8:40**
